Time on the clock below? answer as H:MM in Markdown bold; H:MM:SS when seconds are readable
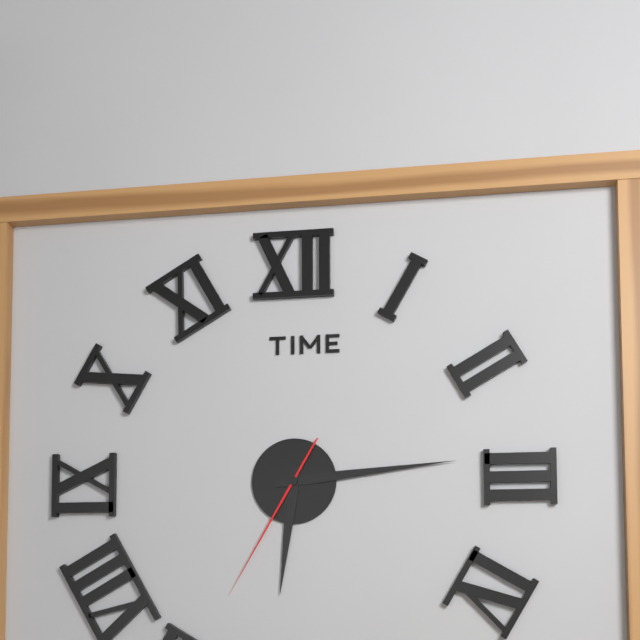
**6:14:35**
